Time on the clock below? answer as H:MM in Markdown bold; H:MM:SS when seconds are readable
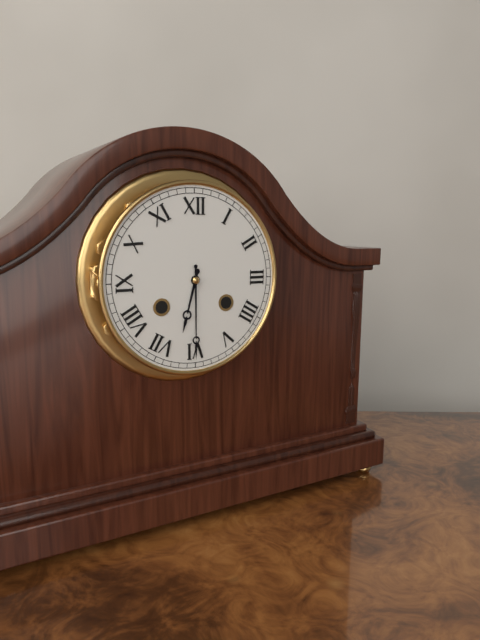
**6:30**
